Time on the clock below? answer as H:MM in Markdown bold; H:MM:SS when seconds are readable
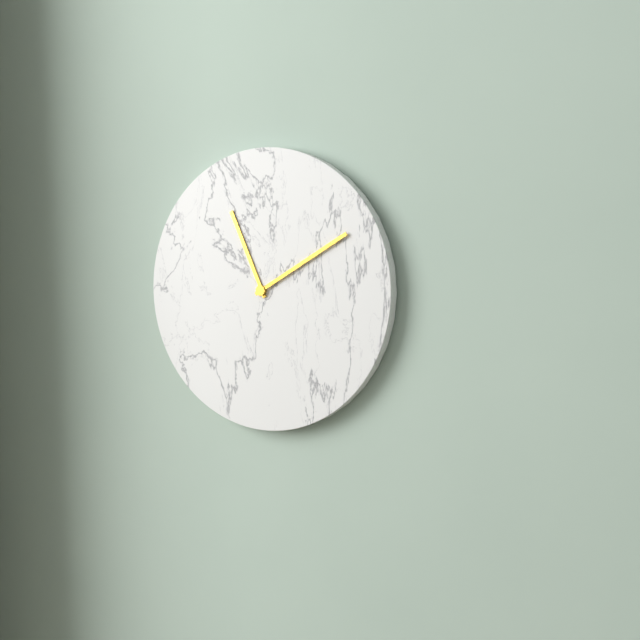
**11:10**
